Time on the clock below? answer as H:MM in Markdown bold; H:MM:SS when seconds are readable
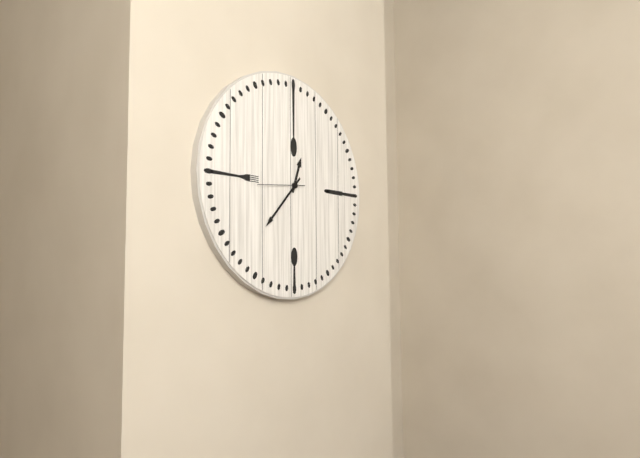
**12:37**
